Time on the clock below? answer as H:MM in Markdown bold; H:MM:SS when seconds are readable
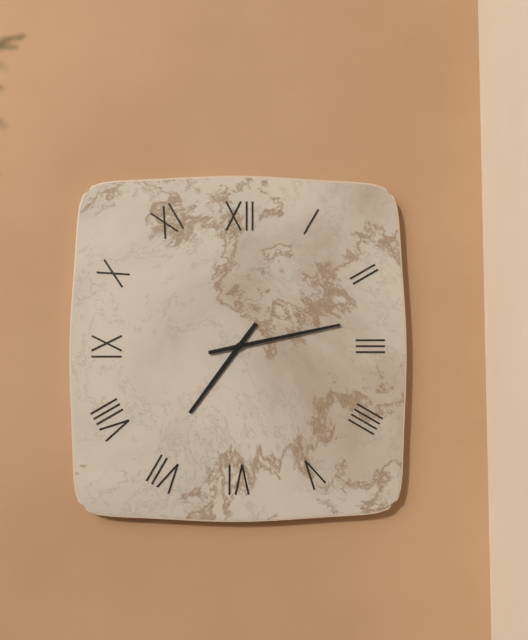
**7:13**
